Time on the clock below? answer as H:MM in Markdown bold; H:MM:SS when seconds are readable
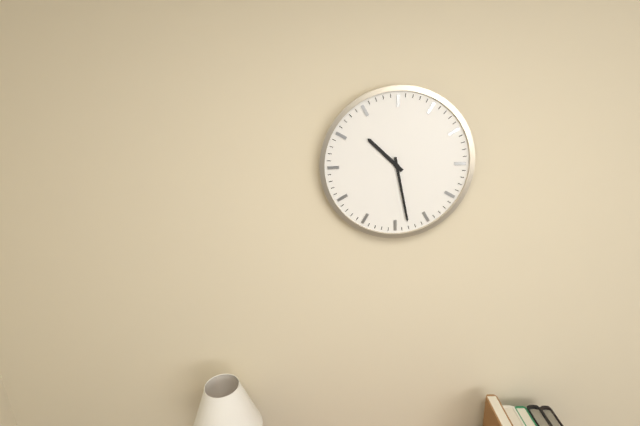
**10:28**
